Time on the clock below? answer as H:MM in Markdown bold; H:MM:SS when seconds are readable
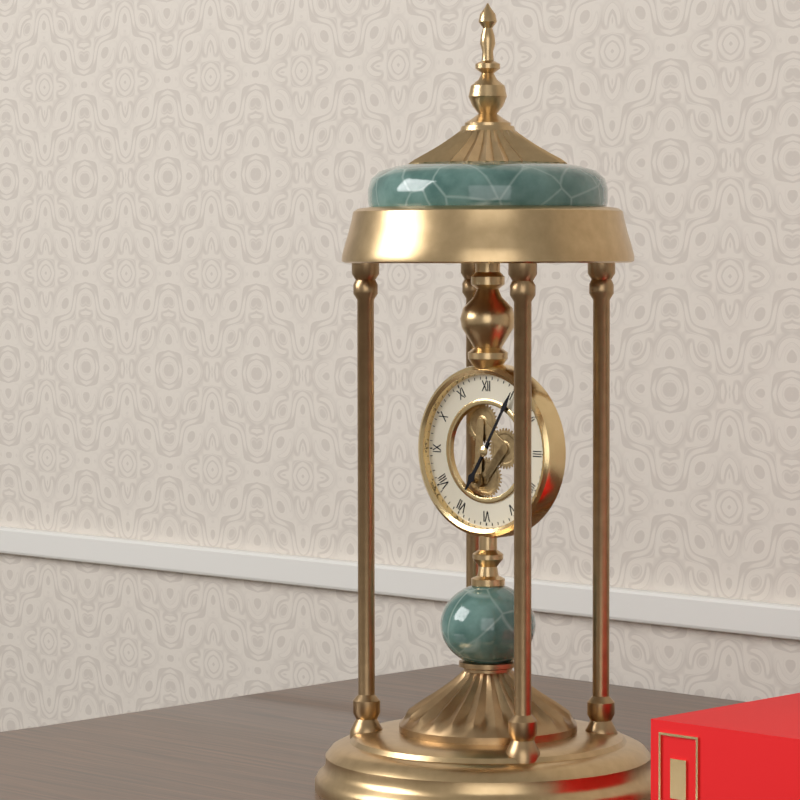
**7:05**
